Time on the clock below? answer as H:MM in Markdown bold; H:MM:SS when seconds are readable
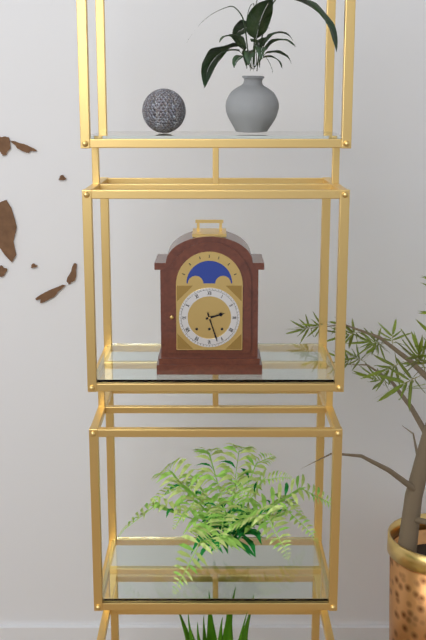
**2:27**
